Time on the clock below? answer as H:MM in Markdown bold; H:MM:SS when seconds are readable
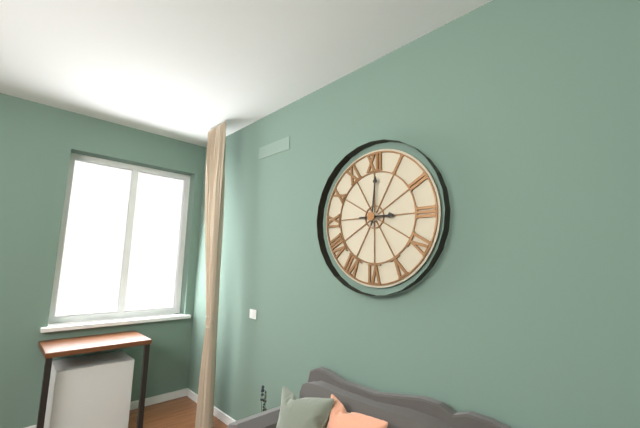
**3:01**
